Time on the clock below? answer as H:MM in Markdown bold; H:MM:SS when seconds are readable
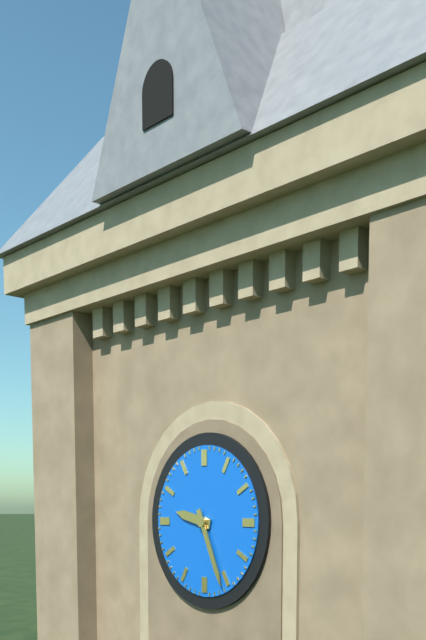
**9:26**
